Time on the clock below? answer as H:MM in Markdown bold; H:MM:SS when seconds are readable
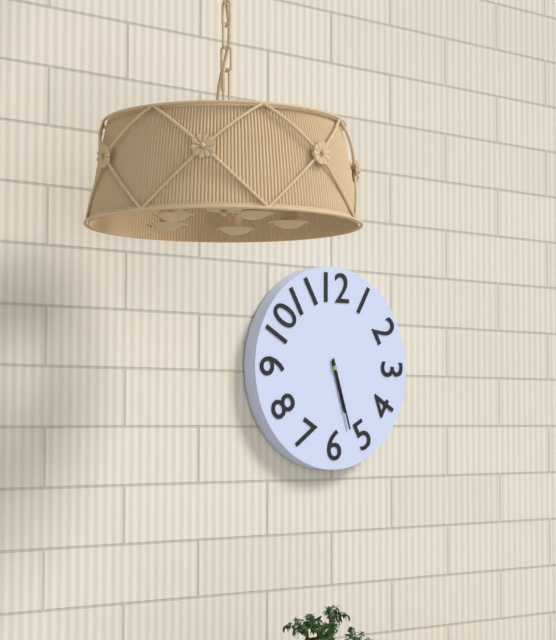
**5:27**
